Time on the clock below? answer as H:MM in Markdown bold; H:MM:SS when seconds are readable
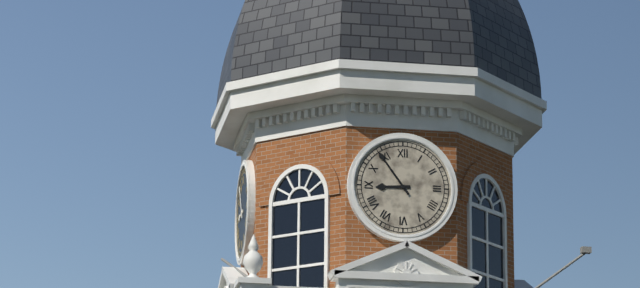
**8:54**
